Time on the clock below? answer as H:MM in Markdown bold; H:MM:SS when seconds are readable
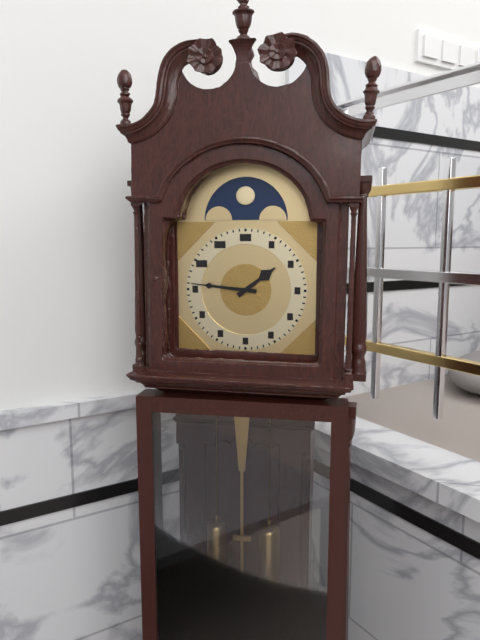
**1:46**
